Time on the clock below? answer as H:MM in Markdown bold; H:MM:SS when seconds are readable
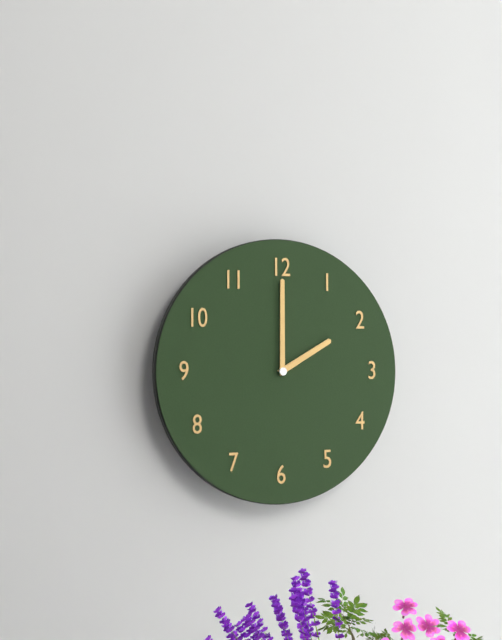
**2:00**
